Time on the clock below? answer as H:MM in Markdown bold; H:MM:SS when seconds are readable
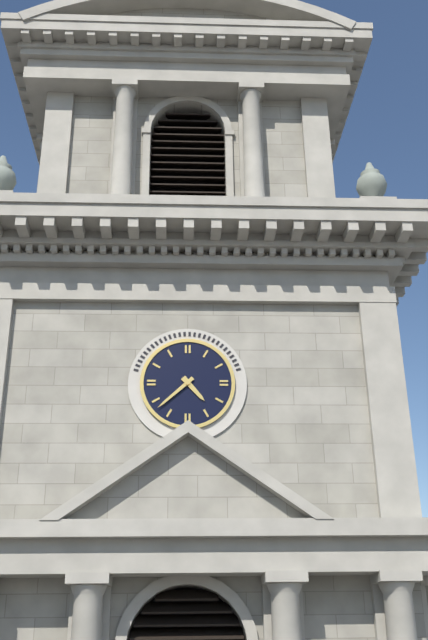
**4:38**
